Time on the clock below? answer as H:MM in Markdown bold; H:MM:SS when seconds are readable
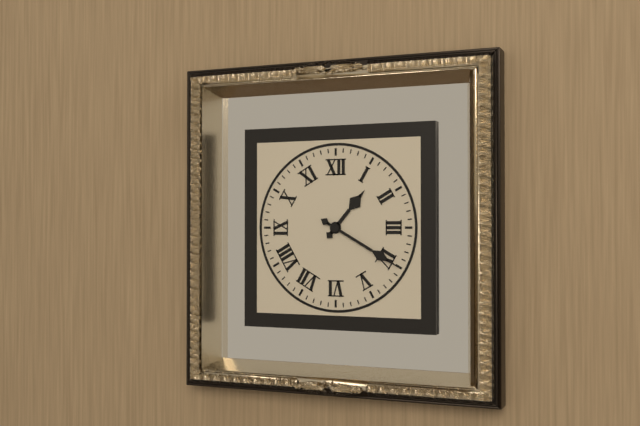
**1:20**
